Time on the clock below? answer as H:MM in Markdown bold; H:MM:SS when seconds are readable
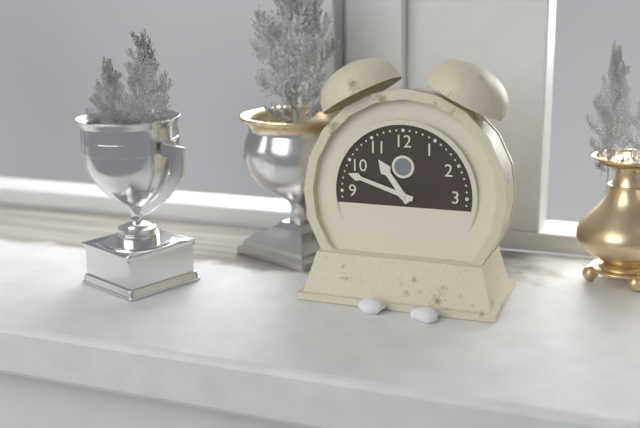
**10:48**
